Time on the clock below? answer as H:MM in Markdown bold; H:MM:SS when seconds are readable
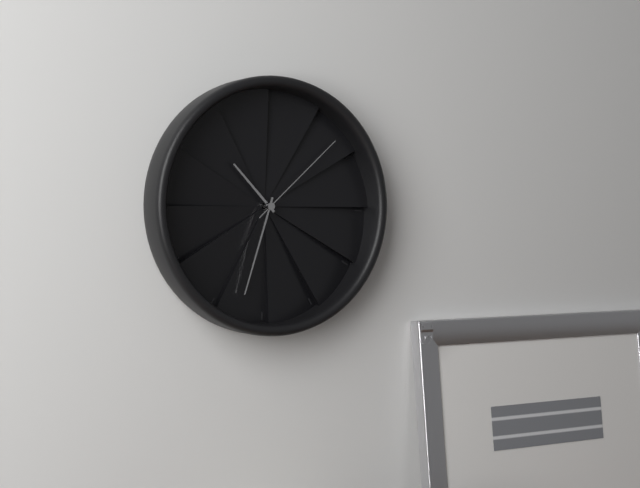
**10:33:08**
